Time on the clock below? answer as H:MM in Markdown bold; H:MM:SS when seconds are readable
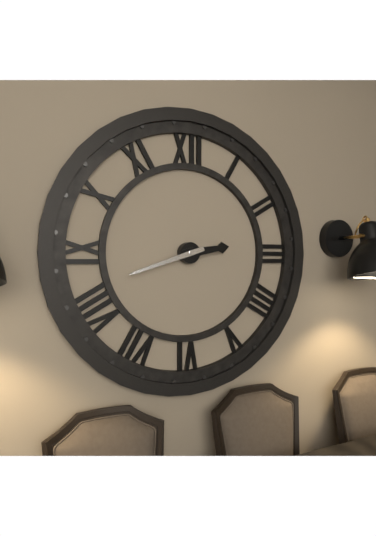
**2:42**
